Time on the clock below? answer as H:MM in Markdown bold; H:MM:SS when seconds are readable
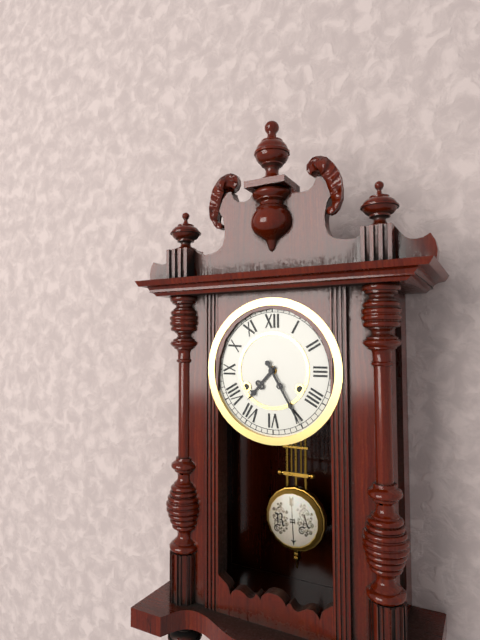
**7:25**
